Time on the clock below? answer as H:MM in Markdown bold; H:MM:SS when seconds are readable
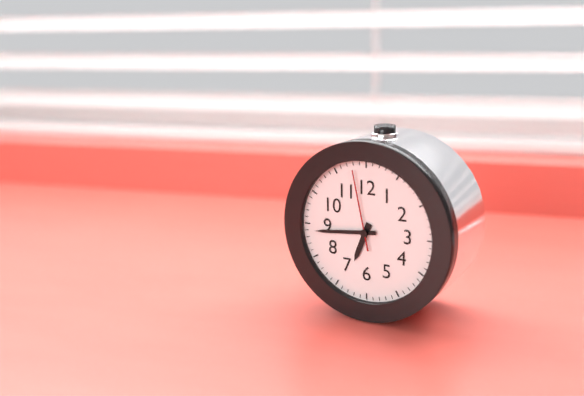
**6:44:58**
